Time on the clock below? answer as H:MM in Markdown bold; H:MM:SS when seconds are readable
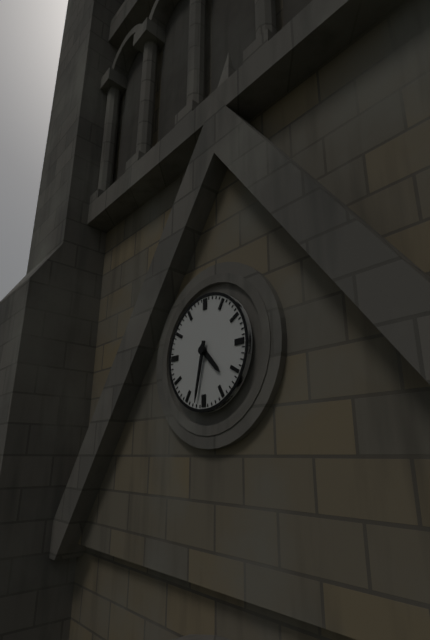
**4:32**
